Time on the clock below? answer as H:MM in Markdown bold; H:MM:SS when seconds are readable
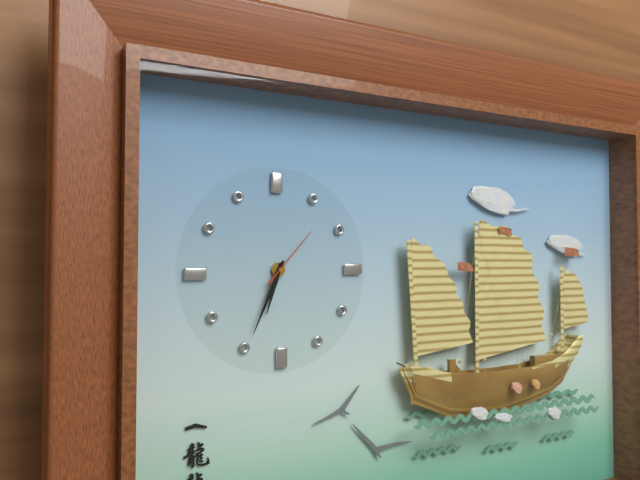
**6:34:07**
